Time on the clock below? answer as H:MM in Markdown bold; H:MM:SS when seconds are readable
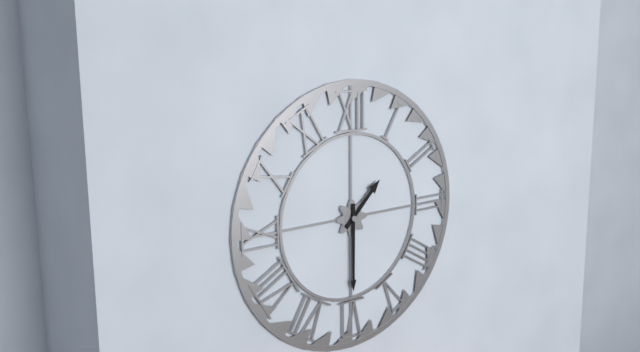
**1:30**
